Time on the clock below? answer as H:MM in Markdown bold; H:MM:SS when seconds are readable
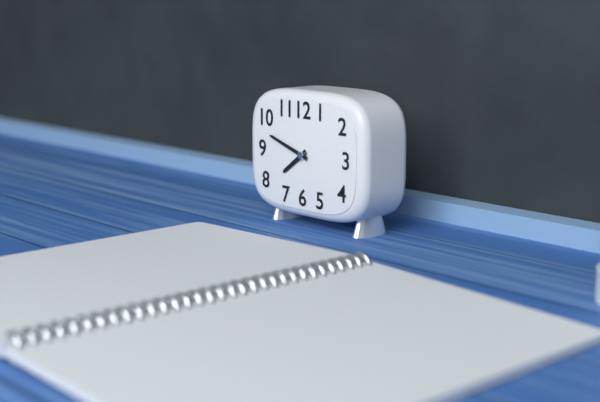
**7:48**
